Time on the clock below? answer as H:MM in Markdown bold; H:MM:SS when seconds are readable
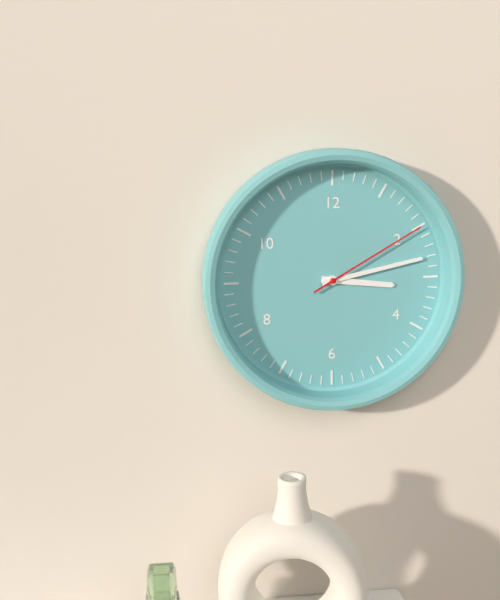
**3:13:10**
